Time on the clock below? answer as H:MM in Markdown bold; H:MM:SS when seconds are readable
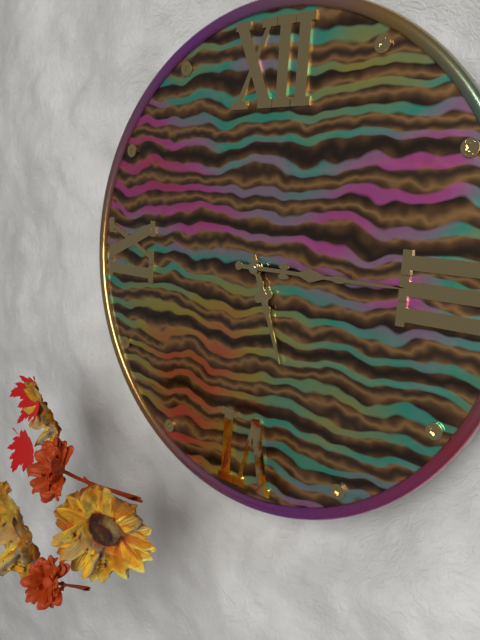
**5:15**
